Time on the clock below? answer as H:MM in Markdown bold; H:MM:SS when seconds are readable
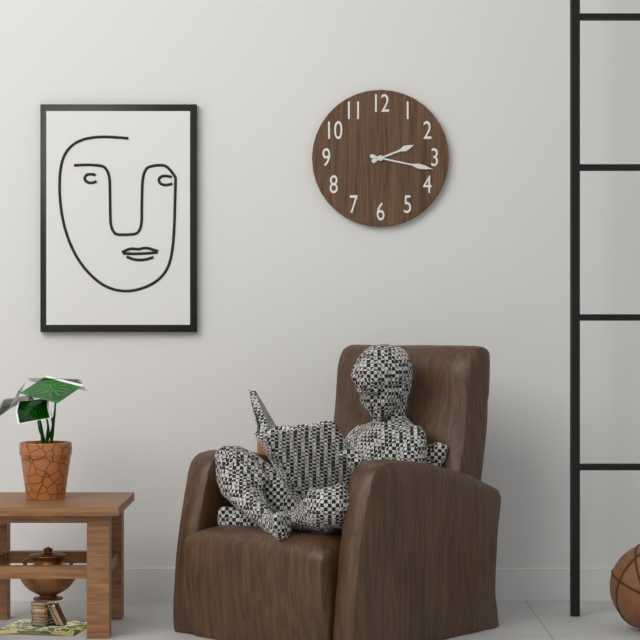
**2:17**
